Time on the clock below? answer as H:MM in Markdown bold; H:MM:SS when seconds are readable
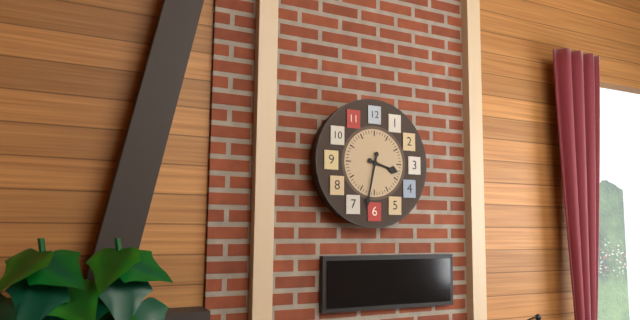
**3:32**
